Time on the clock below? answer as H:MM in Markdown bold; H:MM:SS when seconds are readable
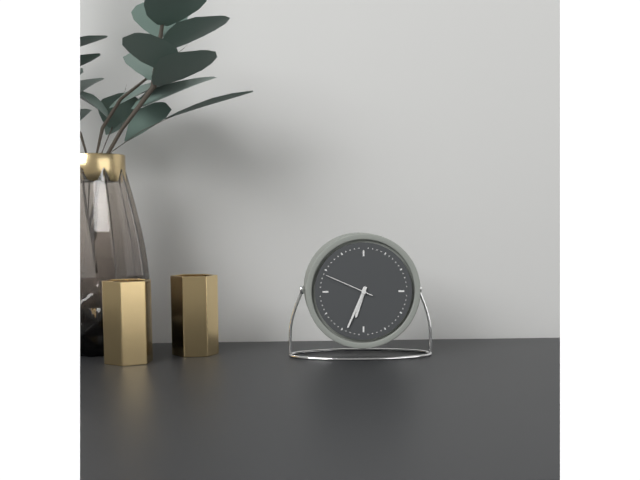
**6:34:49**
